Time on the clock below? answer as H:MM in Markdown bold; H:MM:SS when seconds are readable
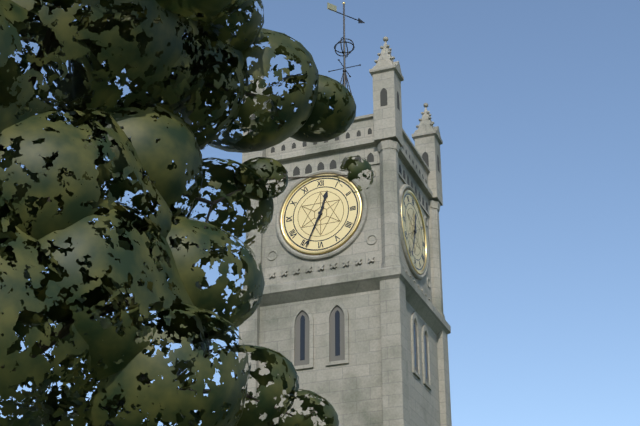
**12:34**
